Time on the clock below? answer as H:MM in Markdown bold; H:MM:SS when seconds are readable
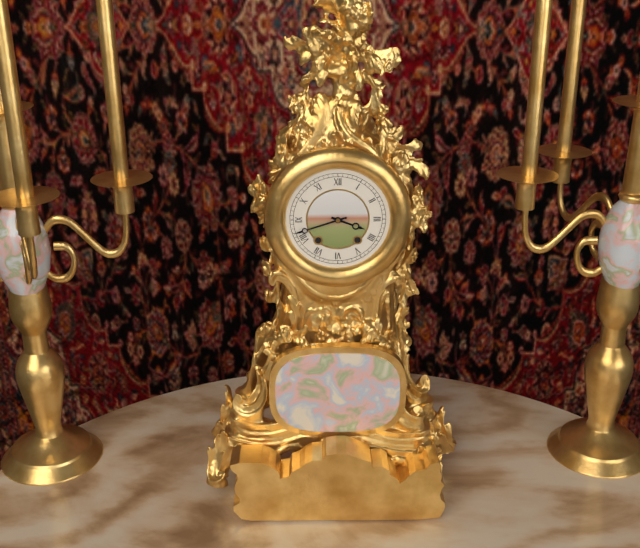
**3:42**
